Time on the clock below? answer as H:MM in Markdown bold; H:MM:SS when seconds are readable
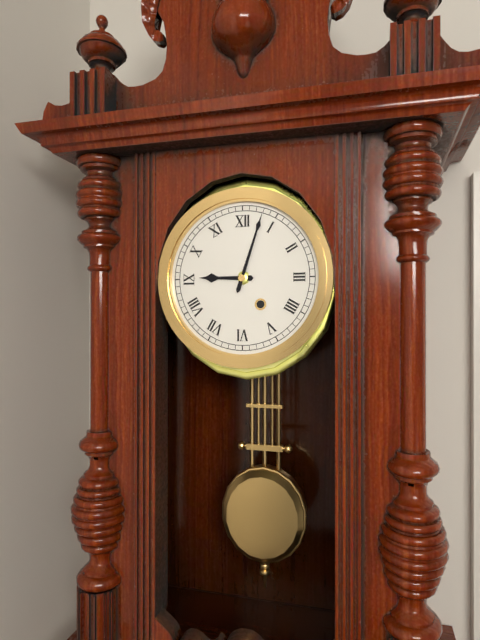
**9:03**
